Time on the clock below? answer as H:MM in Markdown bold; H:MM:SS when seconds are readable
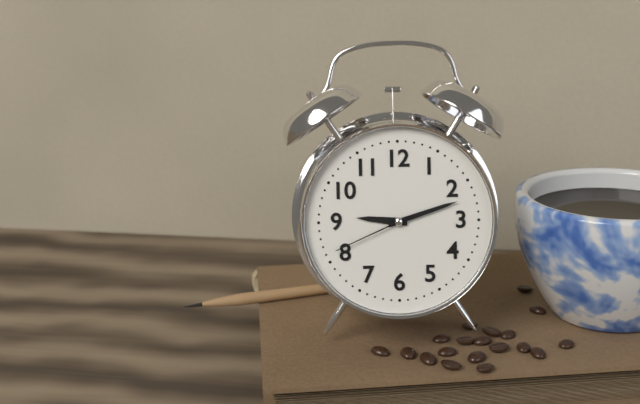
**9:12:41**
